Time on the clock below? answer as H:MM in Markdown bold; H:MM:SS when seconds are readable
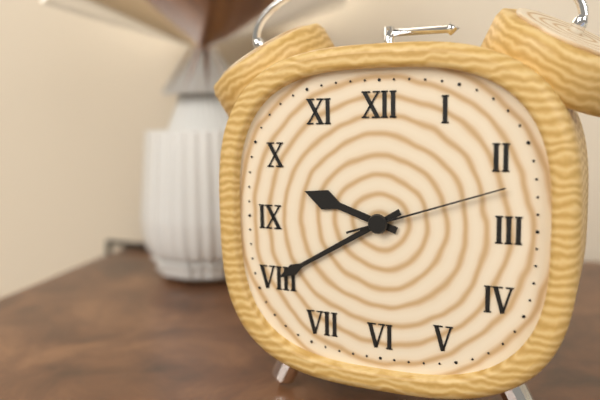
**9:40:12**
